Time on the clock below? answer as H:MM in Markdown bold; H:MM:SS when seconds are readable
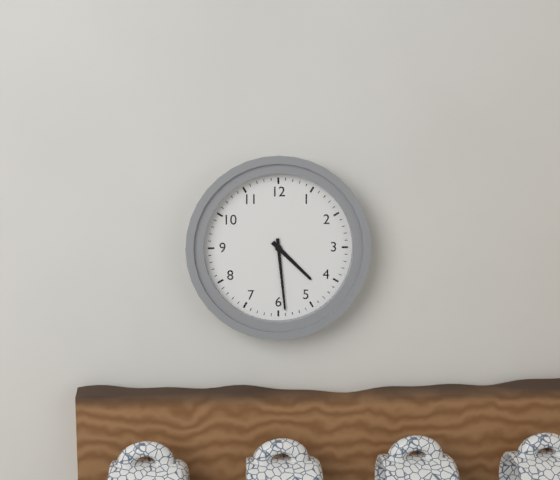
**4:29**
